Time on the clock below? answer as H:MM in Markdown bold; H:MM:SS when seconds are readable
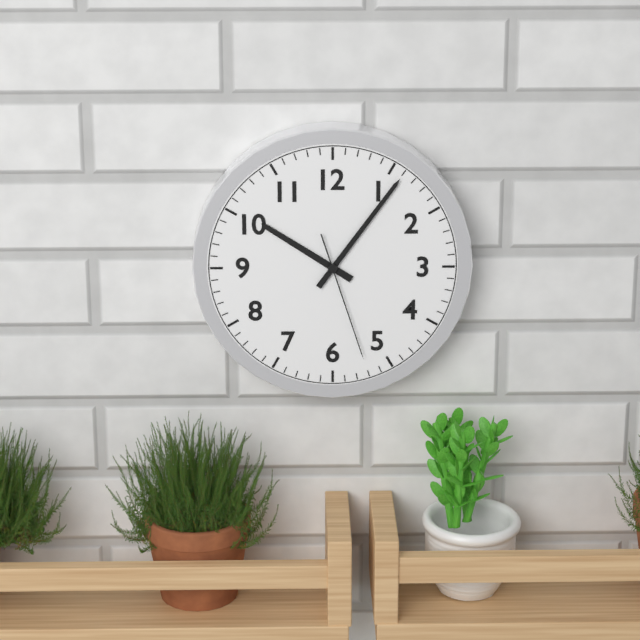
**10:06:27**
